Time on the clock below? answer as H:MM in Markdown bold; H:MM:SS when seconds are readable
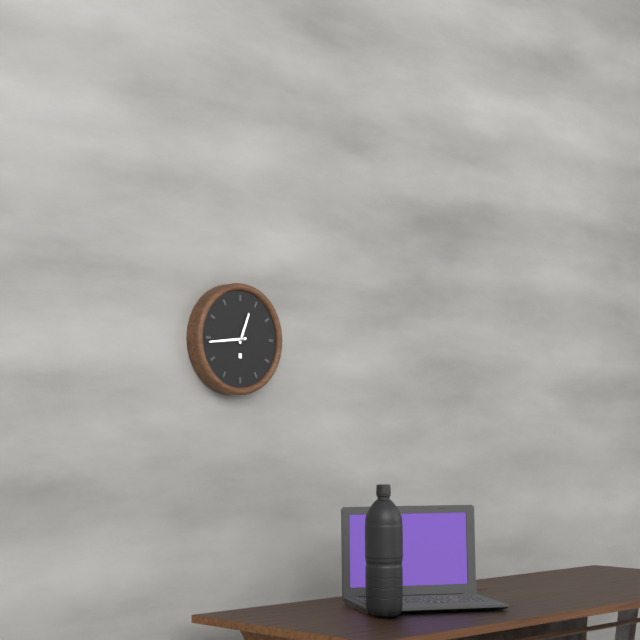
**12:44**
